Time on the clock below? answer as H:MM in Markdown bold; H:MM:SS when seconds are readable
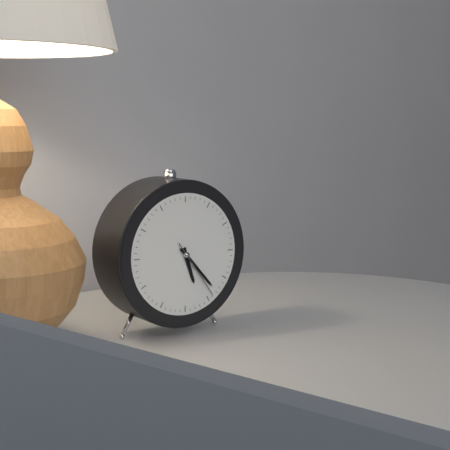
**5:23:24**
